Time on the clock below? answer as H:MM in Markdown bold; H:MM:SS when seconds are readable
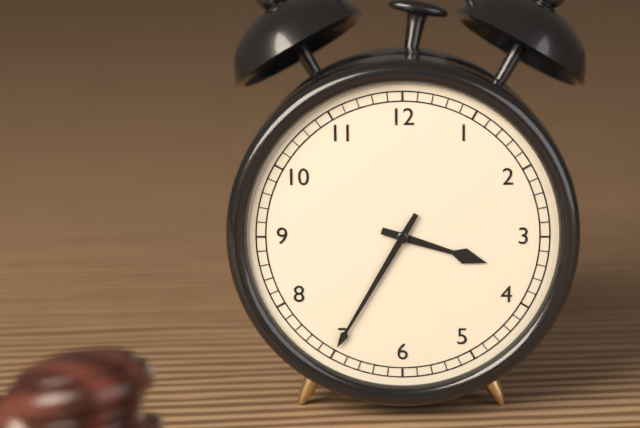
**3:35**
